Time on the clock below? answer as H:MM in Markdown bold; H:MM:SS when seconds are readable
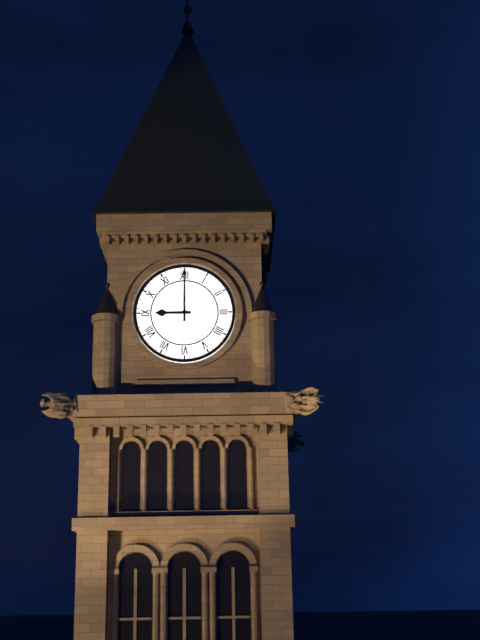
**9:00**
